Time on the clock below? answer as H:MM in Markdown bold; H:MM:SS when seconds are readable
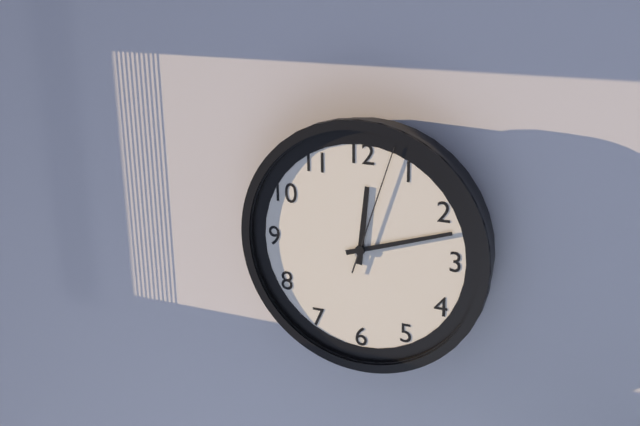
**12:12:03**
